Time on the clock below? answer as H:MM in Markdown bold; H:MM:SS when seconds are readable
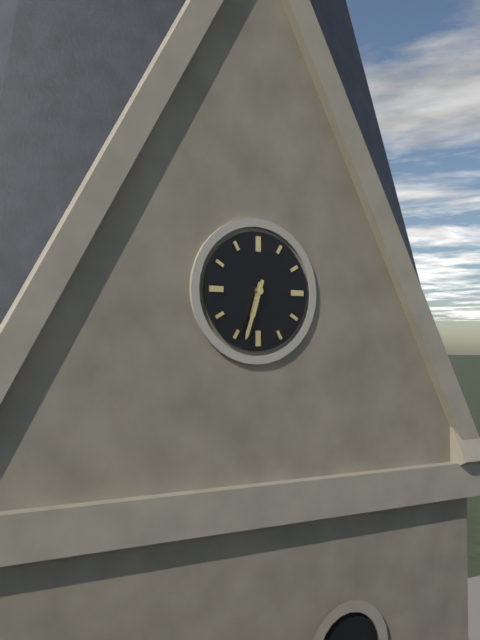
**6:33**
